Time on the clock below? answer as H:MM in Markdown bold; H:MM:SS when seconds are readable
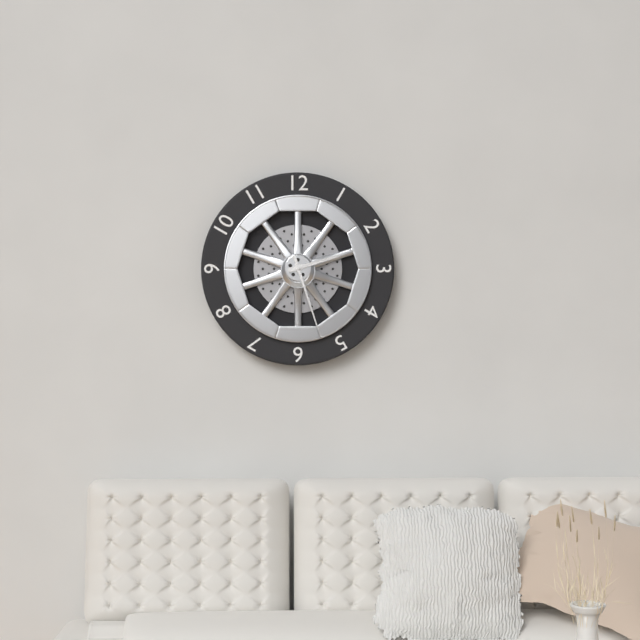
**2:27**
